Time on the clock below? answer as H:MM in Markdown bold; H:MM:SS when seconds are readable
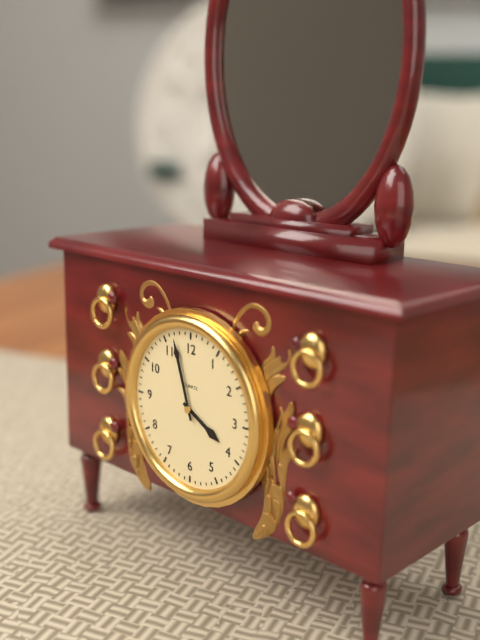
**3:57**
